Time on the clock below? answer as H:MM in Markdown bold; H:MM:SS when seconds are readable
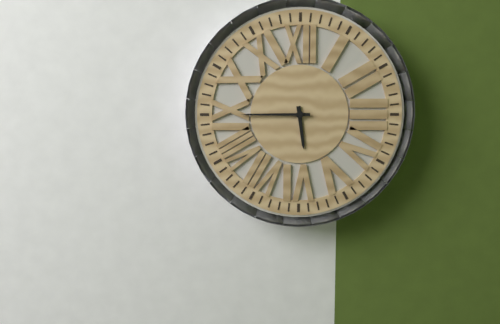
**5:45**
